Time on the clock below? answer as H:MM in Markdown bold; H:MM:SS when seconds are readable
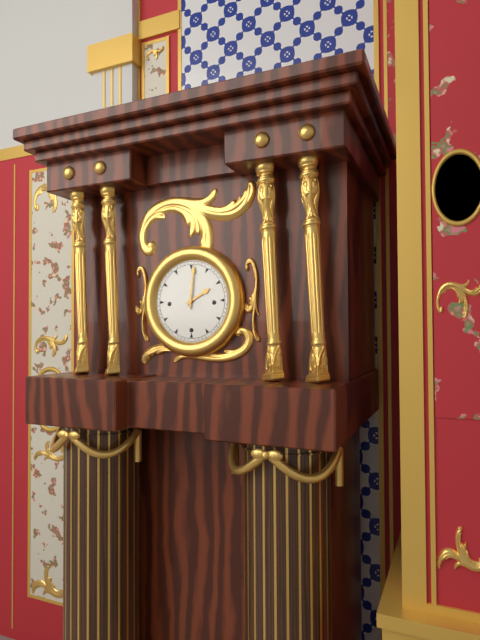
**2:01**
